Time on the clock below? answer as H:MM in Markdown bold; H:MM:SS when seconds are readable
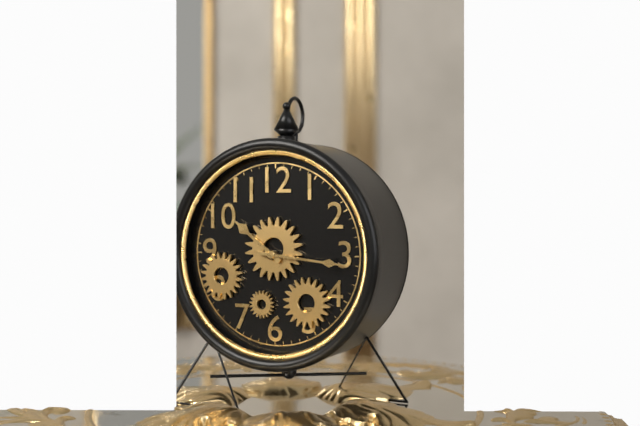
**10:16**
